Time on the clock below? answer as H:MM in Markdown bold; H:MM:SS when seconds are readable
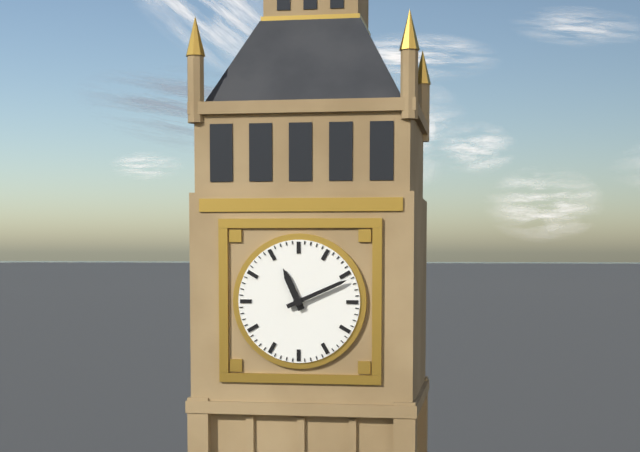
**11:11**
